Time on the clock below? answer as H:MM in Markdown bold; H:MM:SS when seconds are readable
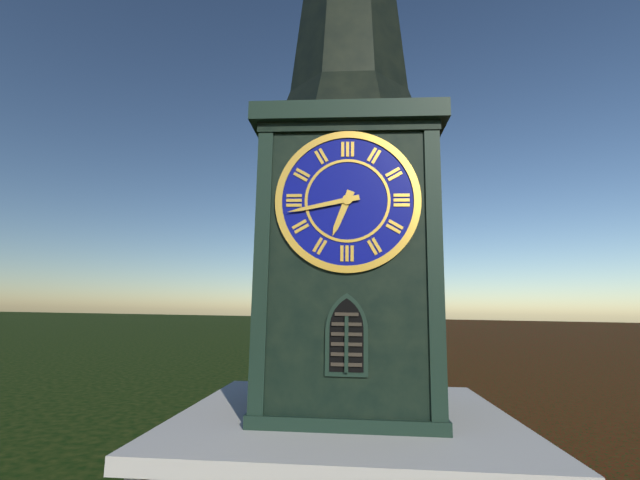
**6:43**
